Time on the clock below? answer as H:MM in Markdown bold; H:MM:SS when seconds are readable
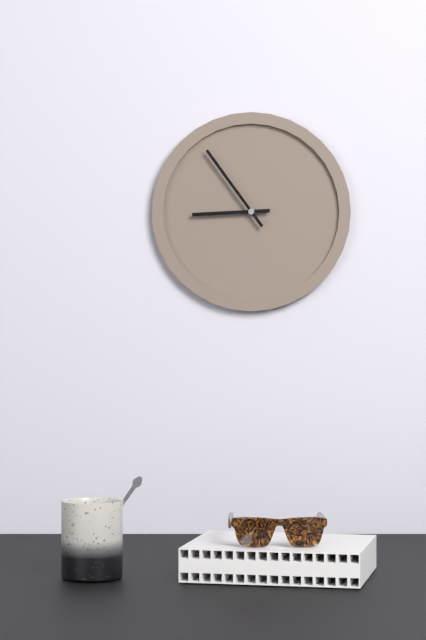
**8:54**
